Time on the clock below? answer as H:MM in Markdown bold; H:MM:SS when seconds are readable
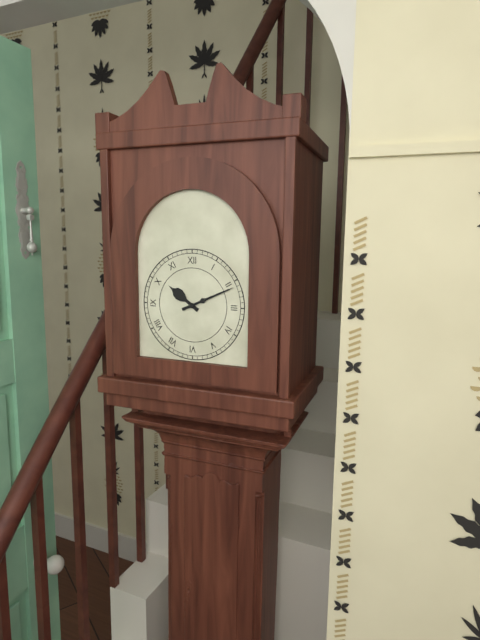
**10:11**
